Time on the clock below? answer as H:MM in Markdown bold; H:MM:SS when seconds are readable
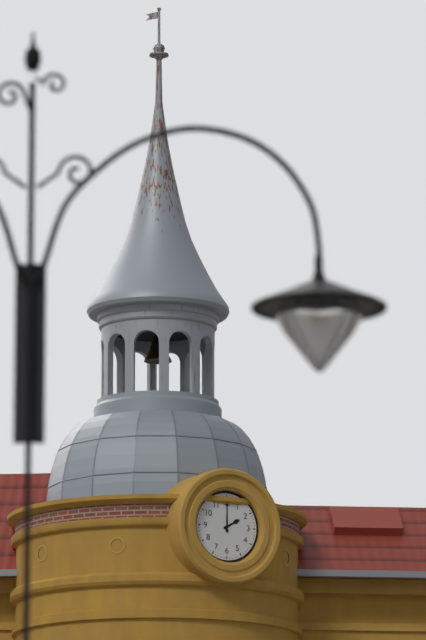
**2:00**
